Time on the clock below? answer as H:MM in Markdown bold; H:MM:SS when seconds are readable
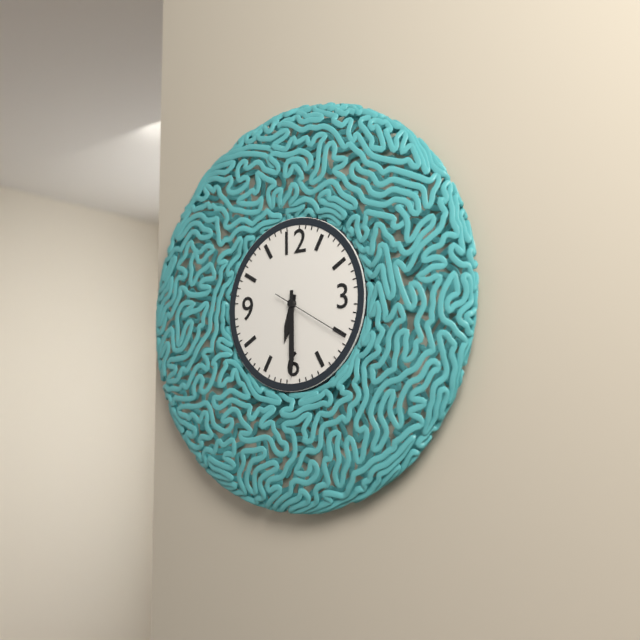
**6:30:20**
